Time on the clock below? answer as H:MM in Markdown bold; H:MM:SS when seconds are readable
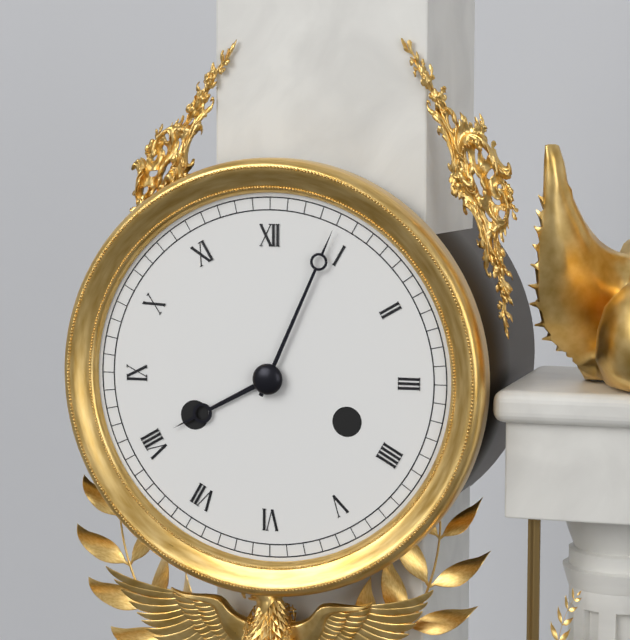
**8:04**
